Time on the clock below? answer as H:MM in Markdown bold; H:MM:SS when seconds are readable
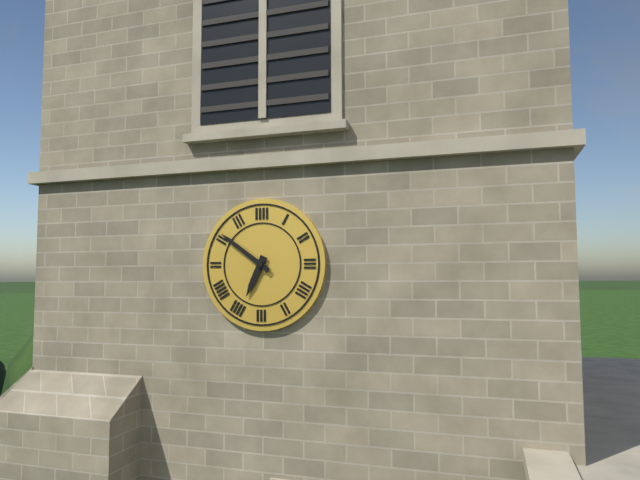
**6:51**
